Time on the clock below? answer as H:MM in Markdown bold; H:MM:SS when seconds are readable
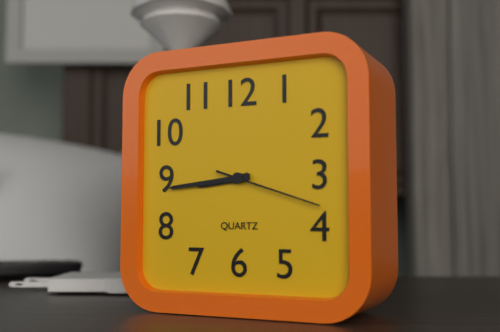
**8:44:18**
